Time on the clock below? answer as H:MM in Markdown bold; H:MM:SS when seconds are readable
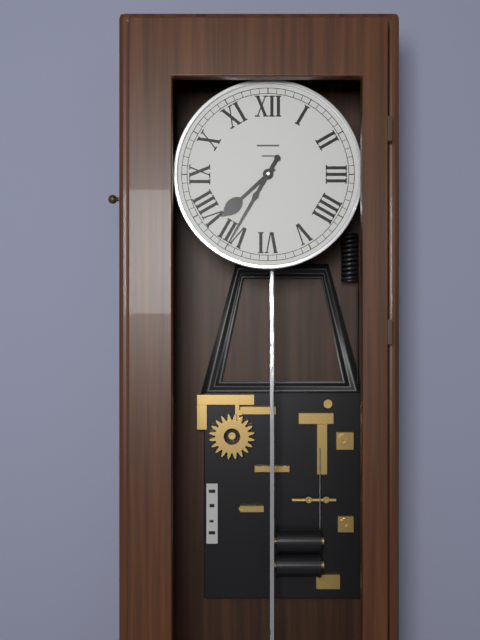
**7:35**
